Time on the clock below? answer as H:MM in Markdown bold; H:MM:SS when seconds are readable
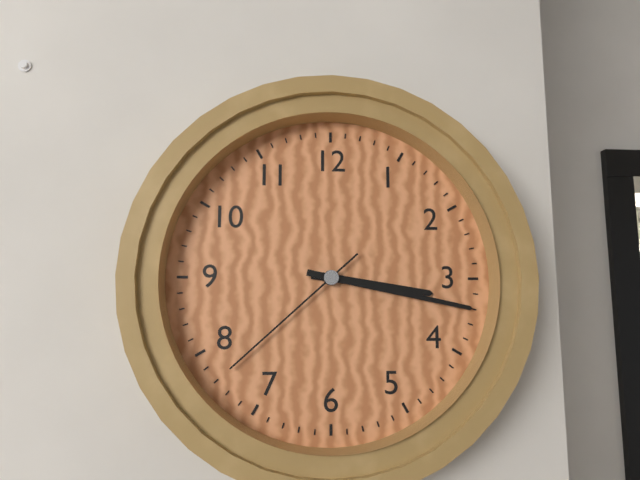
**3:17:38**
